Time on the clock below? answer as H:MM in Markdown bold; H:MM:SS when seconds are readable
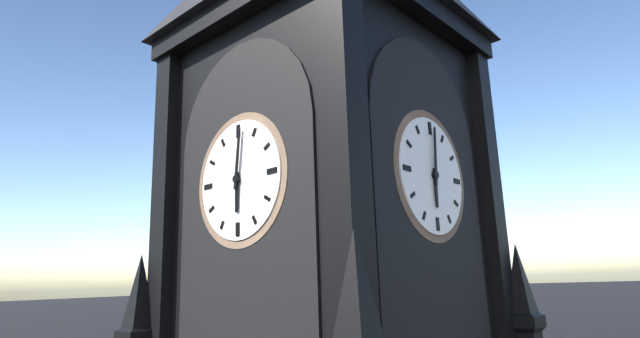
**6:01**
